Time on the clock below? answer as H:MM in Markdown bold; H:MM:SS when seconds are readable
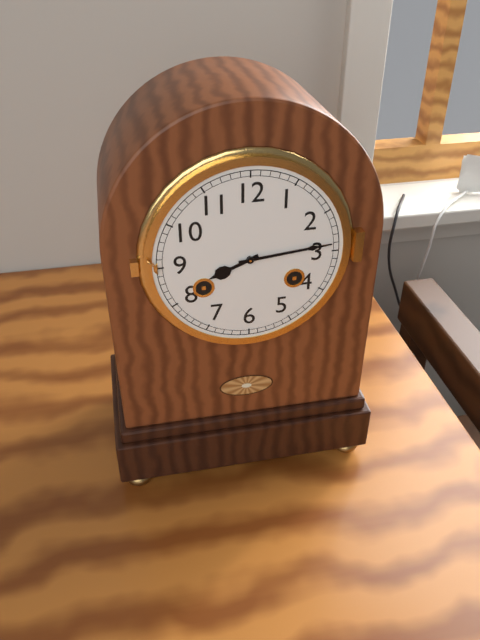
**8:14**
